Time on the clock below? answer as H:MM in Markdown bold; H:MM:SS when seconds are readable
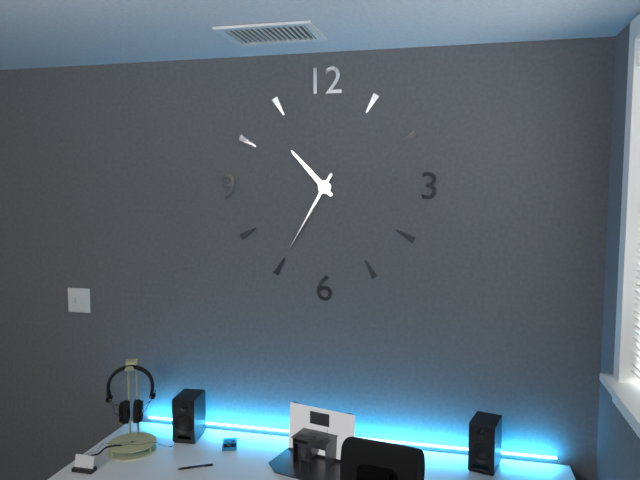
**10:35**
